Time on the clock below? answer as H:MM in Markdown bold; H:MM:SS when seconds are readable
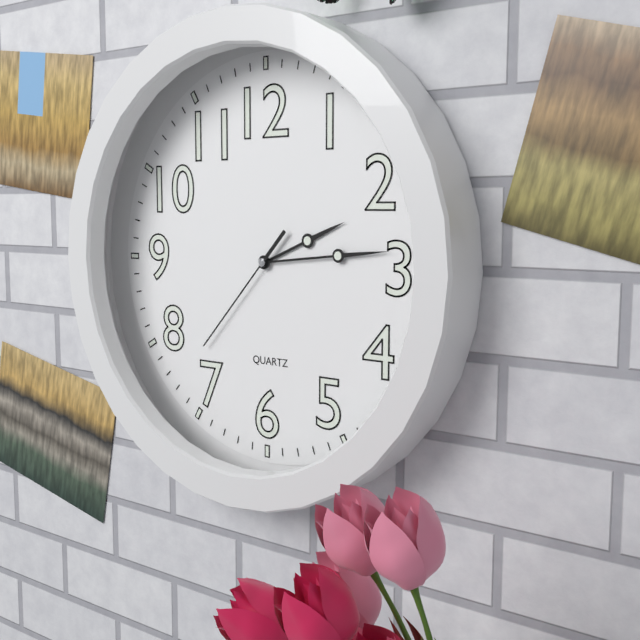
**2:14:37**
